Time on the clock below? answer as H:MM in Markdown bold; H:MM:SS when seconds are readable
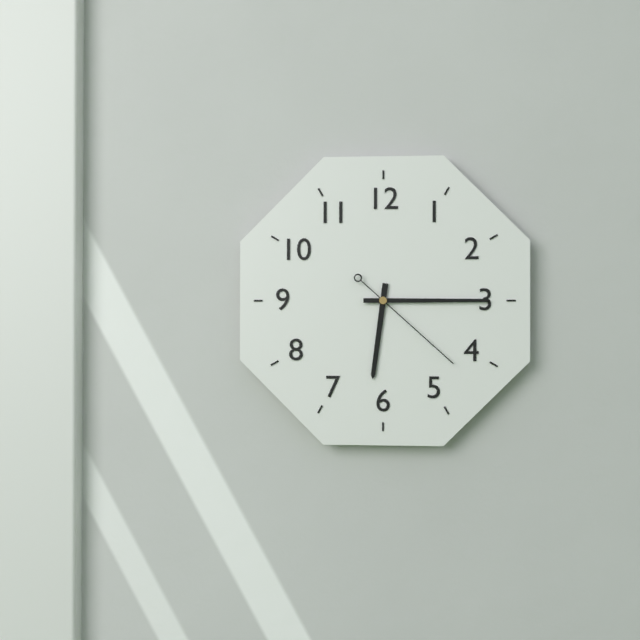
**6:15:22**
